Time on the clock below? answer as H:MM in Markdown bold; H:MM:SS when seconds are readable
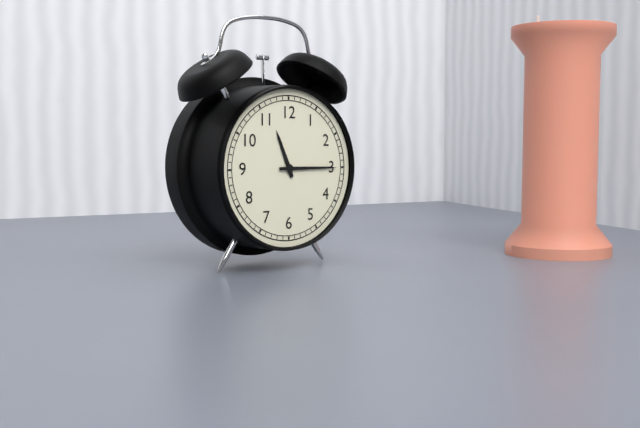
**11:15**
